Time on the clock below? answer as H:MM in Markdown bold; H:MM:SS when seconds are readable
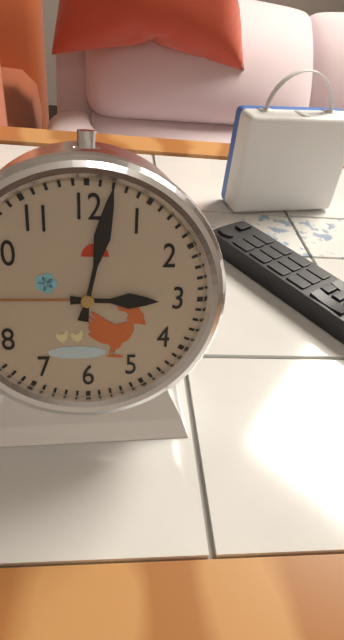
**3:02**
